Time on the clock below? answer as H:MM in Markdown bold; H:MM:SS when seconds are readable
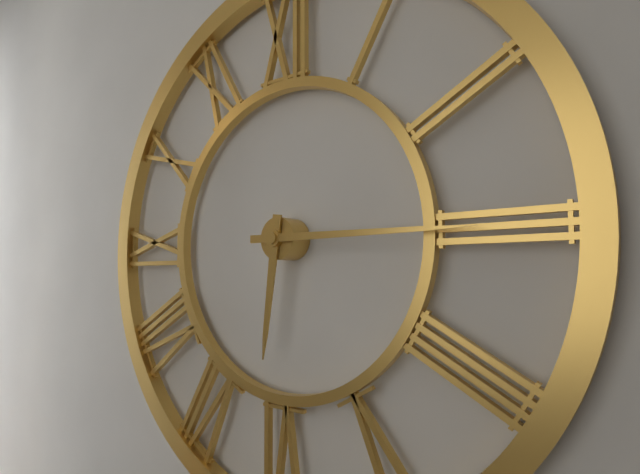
**6:15**
